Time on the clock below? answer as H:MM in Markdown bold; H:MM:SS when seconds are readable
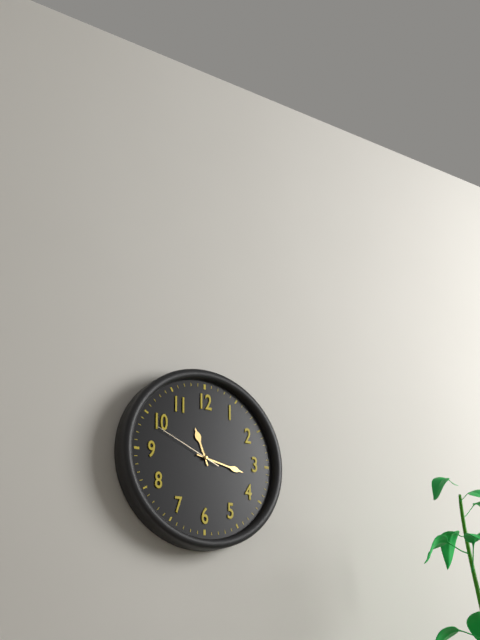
**11:17:49**
